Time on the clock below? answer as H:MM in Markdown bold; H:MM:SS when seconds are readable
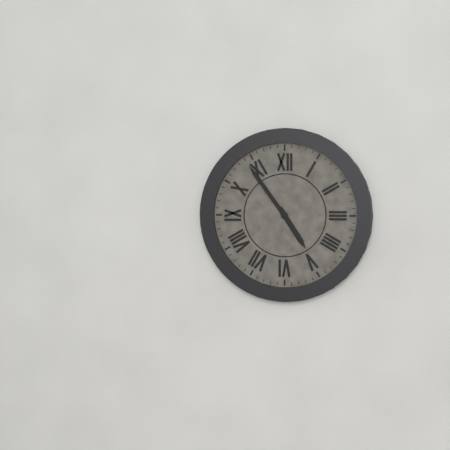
**4:54**
